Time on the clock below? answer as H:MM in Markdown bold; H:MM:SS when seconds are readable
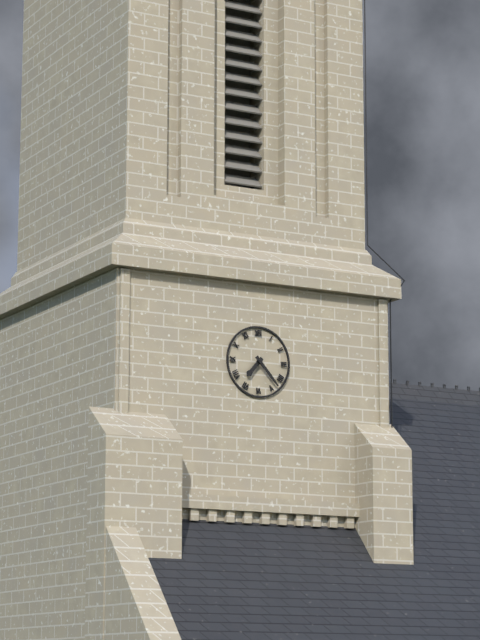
**7:23**
